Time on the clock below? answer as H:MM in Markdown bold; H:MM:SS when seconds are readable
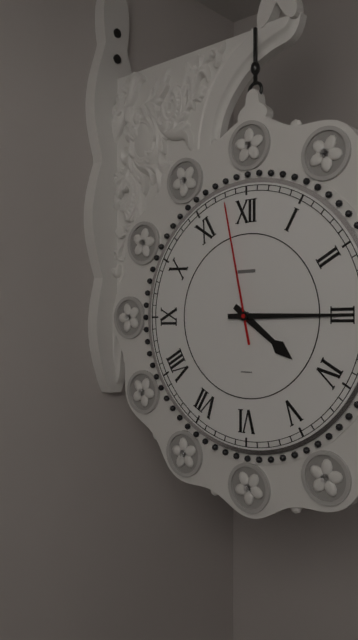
**4:15:58**
